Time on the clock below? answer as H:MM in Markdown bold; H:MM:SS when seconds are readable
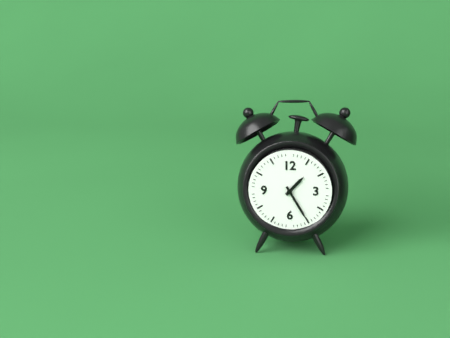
**1:25**
